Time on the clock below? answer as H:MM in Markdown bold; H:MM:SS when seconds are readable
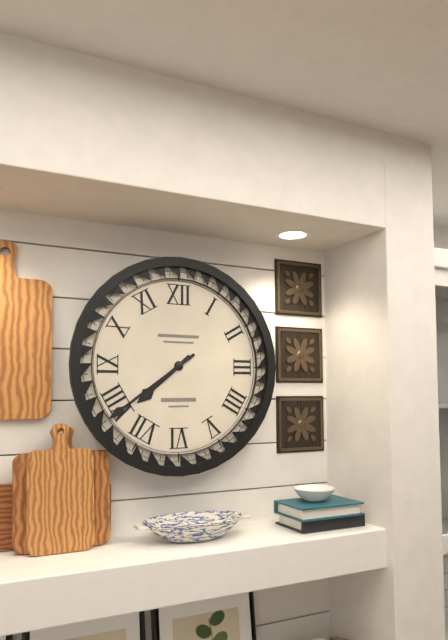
**7:39**
